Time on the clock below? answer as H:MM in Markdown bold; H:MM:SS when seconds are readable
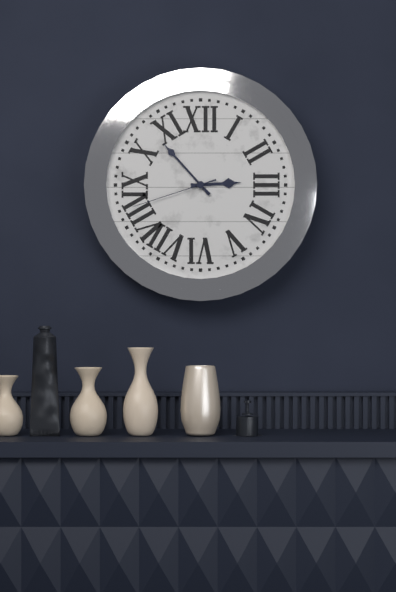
**2:53:42**
